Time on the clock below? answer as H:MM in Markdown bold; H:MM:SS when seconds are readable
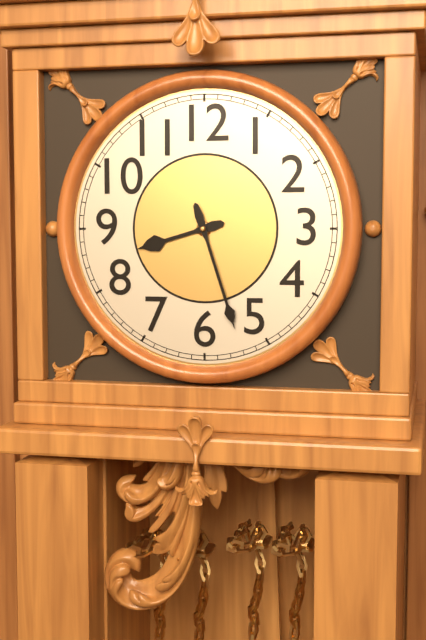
**8:27**
